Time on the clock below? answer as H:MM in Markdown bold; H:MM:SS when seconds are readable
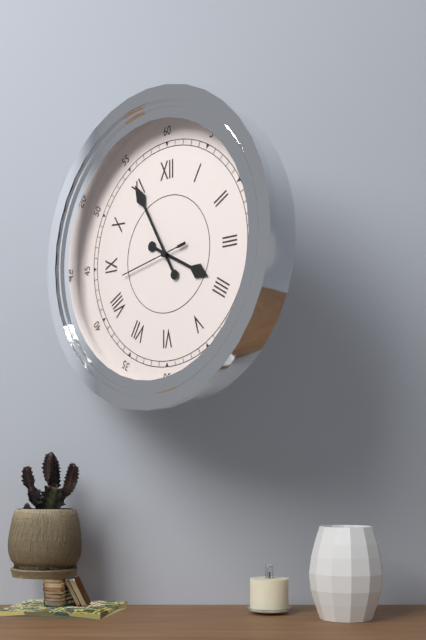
**3:55:43**
